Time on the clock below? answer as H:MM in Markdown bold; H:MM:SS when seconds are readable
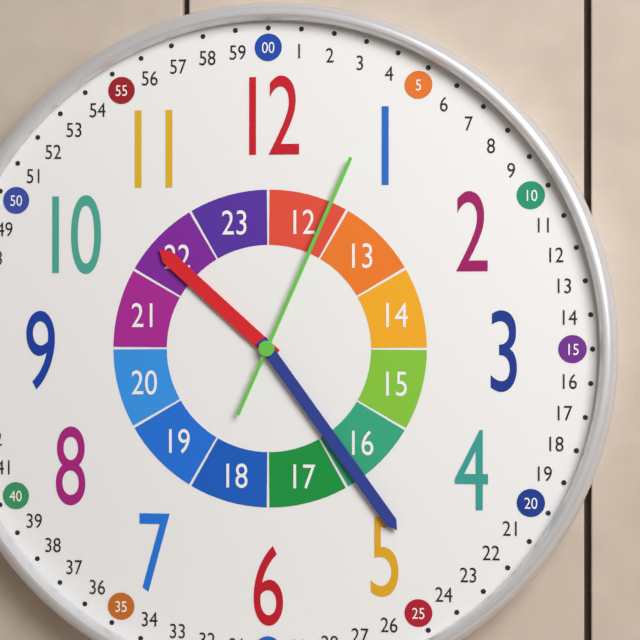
**10:24:04**
